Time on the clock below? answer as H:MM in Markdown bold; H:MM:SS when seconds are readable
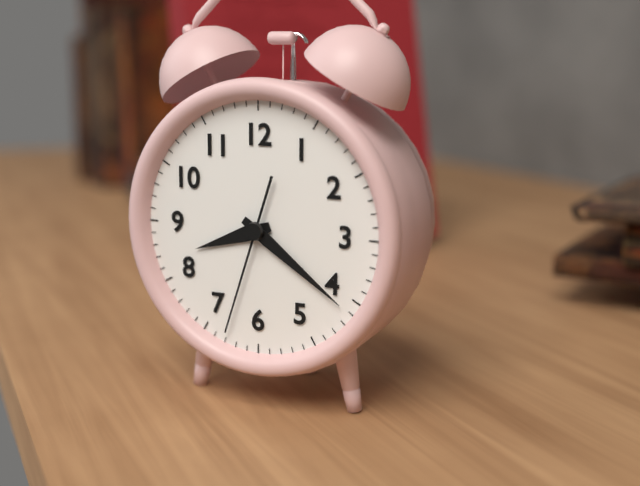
**8:21:33**
